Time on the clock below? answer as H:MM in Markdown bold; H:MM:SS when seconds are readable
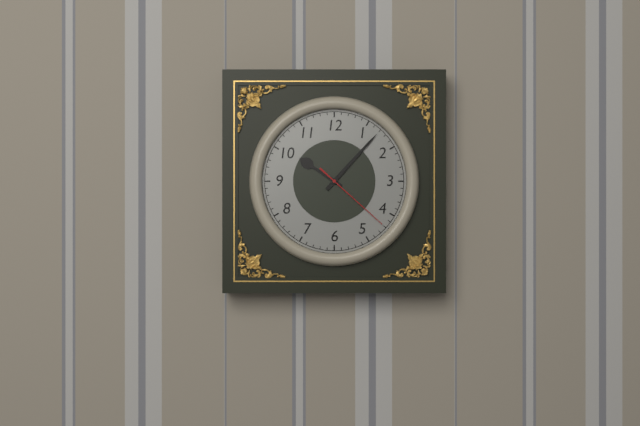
**10:07:22**
